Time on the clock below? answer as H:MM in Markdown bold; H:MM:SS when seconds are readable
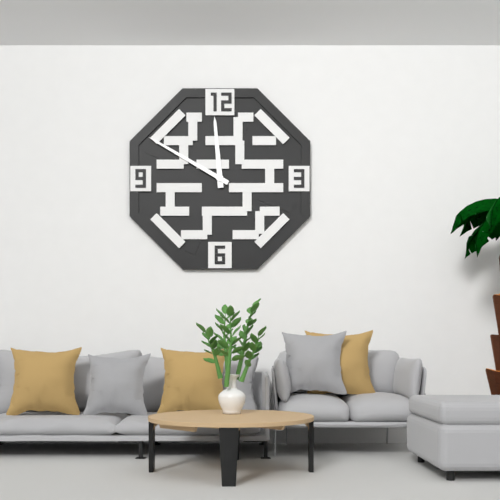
**11:50**
